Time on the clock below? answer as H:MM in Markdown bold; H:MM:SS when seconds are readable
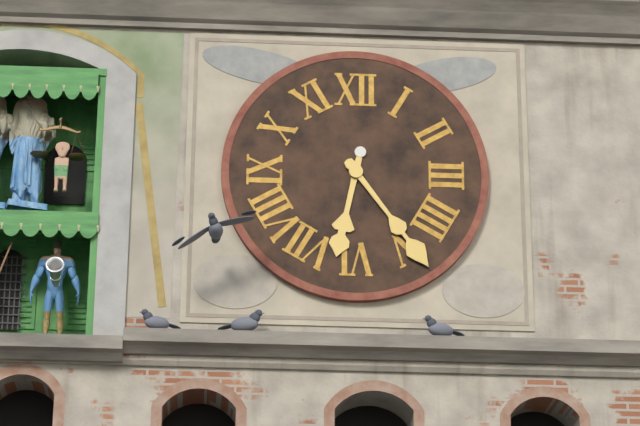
**6:24**
